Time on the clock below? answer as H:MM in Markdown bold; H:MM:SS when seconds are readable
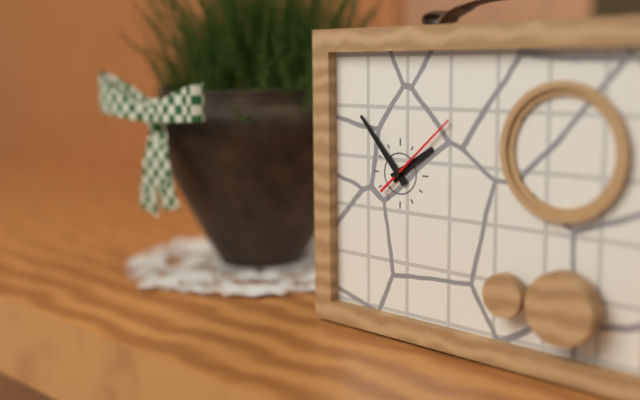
**1:53:08**
